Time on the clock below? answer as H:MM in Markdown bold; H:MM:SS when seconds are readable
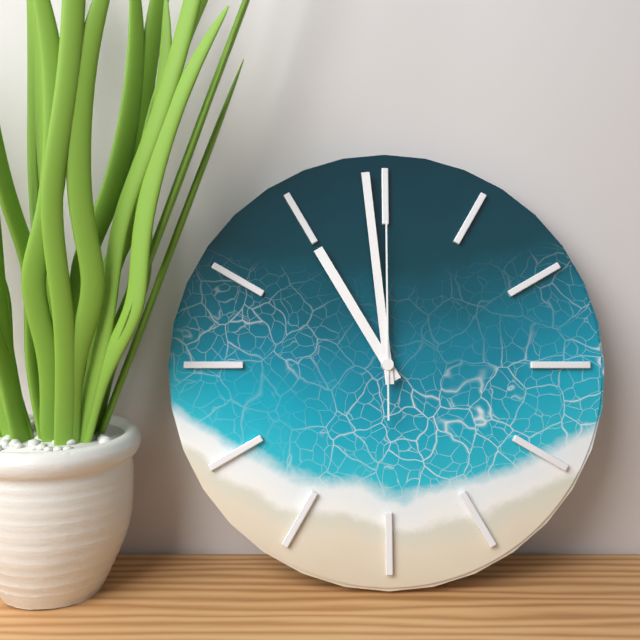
**10:59:00**
